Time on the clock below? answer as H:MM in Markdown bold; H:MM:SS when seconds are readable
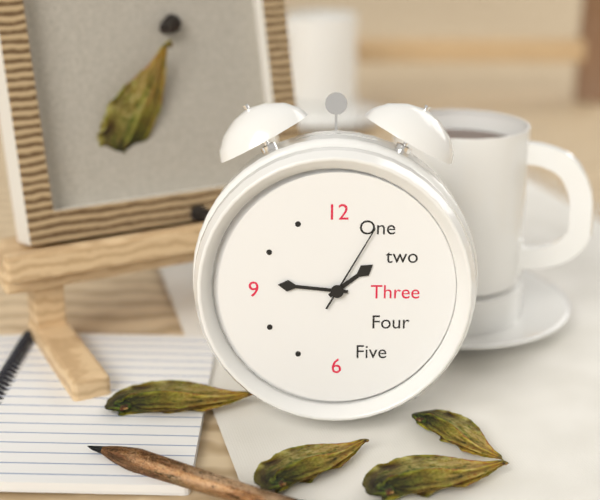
**1:46:05**
